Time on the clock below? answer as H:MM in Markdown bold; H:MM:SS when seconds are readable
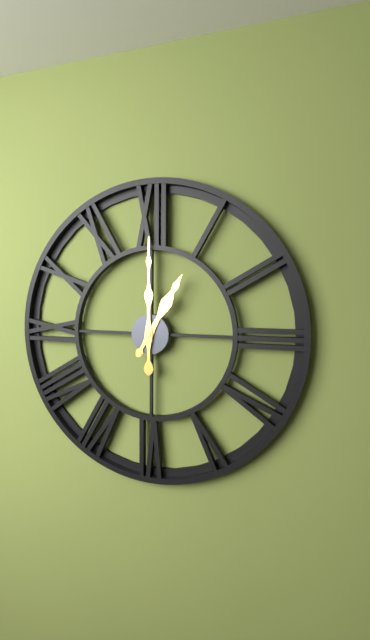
**1:00**
